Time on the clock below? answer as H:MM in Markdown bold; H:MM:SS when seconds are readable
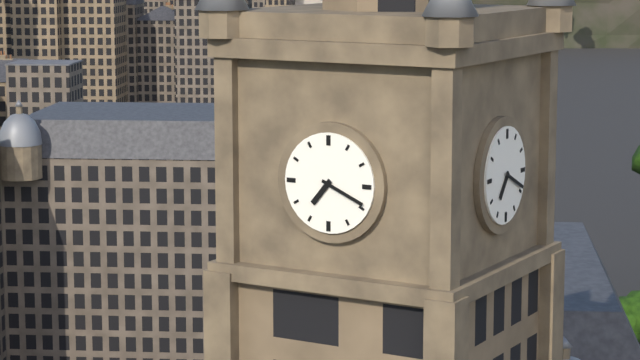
**7:19**
